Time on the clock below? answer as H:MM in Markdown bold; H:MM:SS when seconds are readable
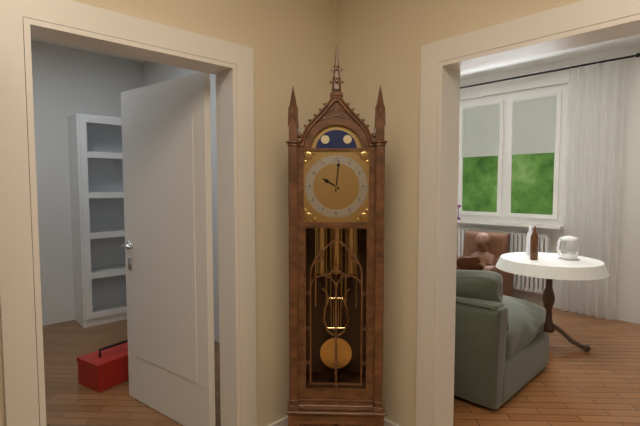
**10:01**
